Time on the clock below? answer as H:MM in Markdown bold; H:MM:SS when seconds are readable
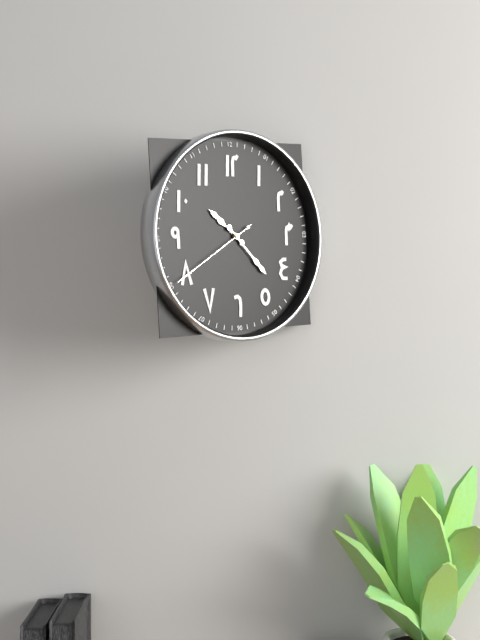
**10:23:40**
